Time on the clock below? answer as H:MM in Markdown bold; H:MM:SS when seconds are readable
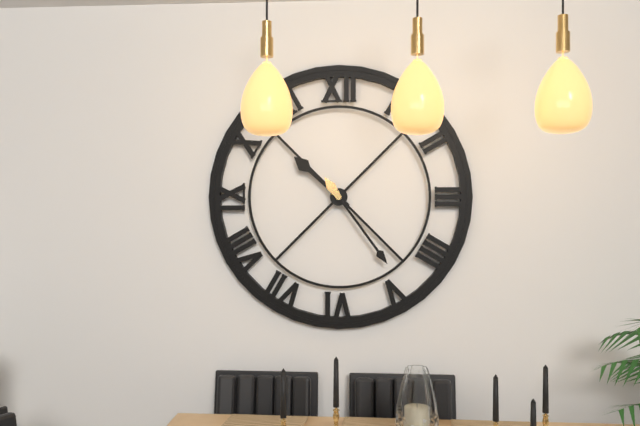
**10:24**
